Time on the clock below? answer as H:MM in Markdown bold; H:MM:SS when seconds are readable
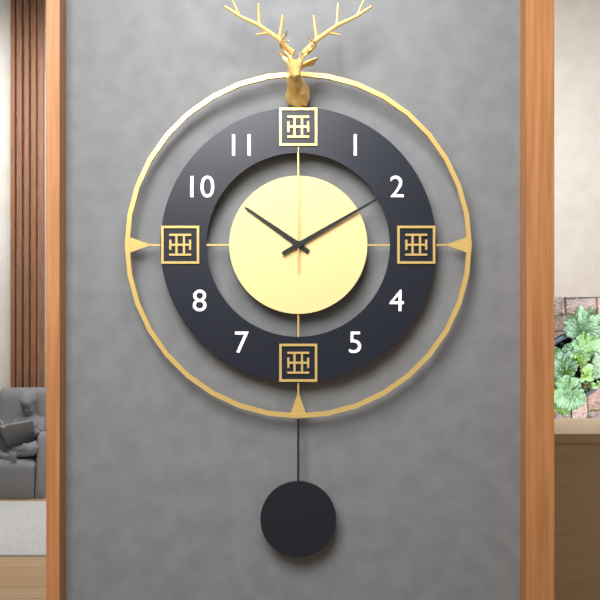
**10:10:00**
